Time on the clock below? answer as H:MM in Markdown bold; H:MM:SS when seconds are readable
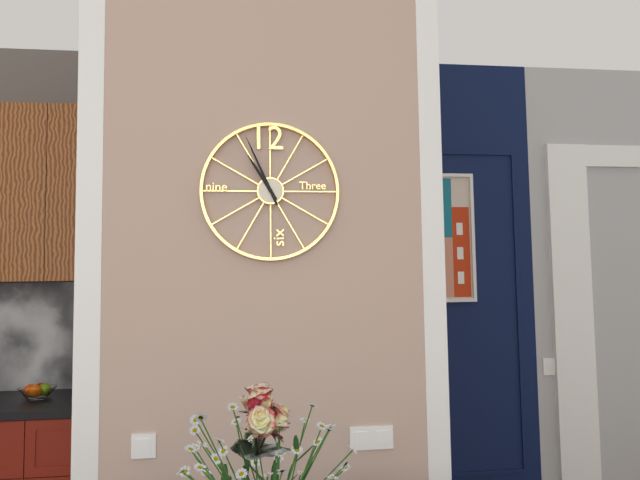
**10:56**
